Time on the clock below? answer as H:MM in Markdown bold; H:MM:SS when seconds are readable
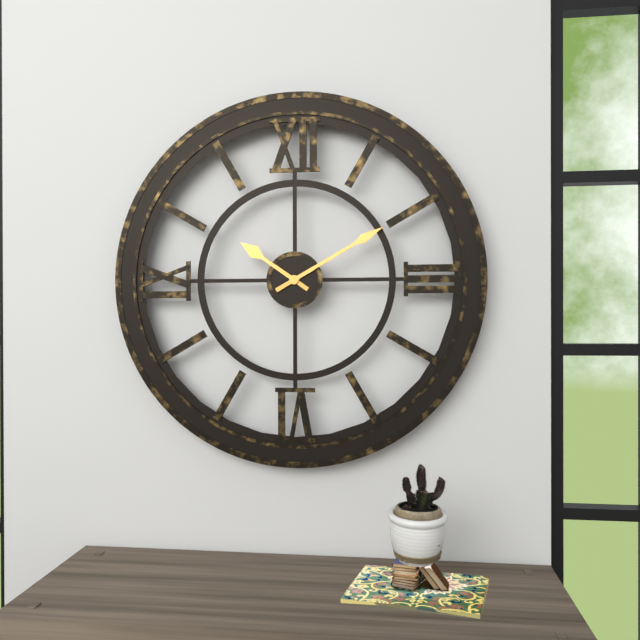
**10:10**
